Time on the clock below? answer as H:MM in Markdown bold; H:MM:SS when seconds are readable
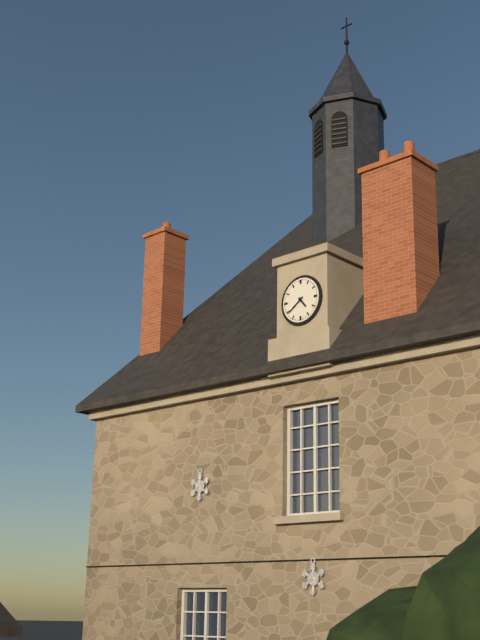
**4:39**
